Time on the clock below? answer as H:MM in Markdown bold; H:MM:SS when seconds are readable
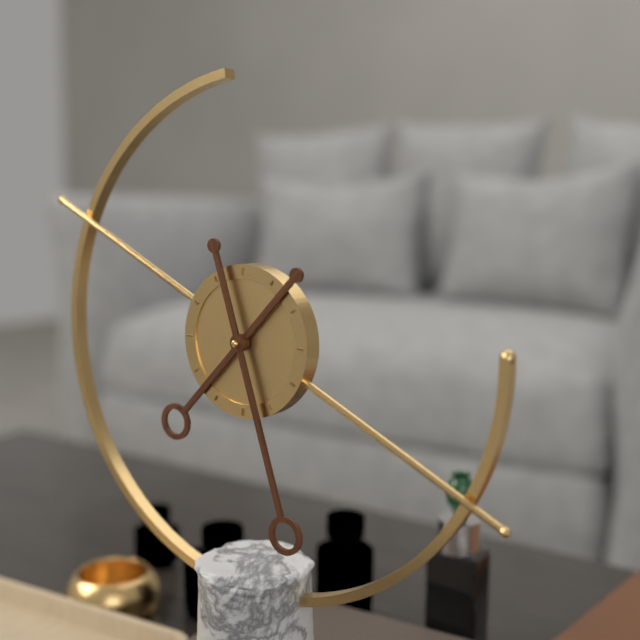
**7:27**
